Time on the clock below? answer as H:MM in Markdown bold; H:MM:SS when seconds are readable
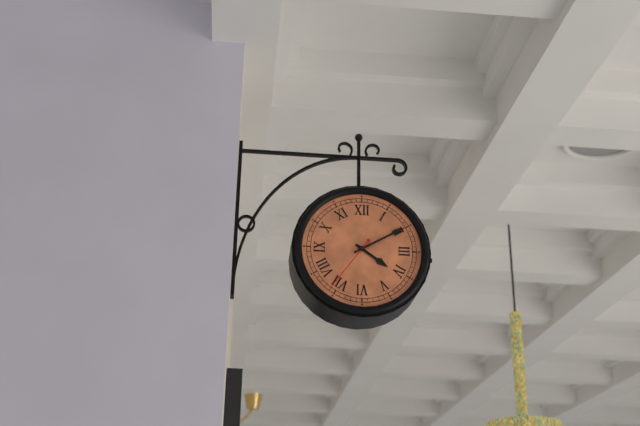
**4:10:36**
